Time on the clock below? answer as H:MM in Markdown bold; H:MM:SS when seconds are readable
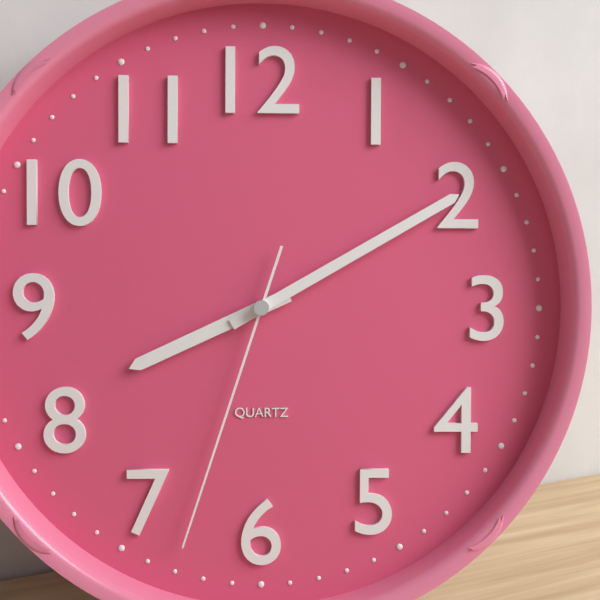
**8:10:33**
